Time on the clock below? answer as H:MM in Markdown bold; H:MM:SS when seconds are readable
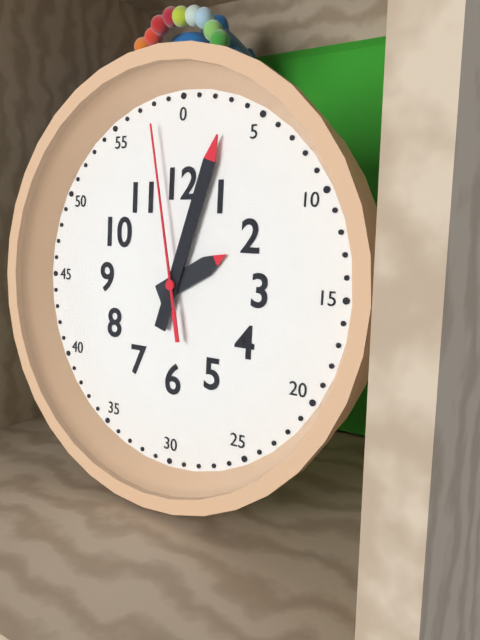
**2:03:58**
